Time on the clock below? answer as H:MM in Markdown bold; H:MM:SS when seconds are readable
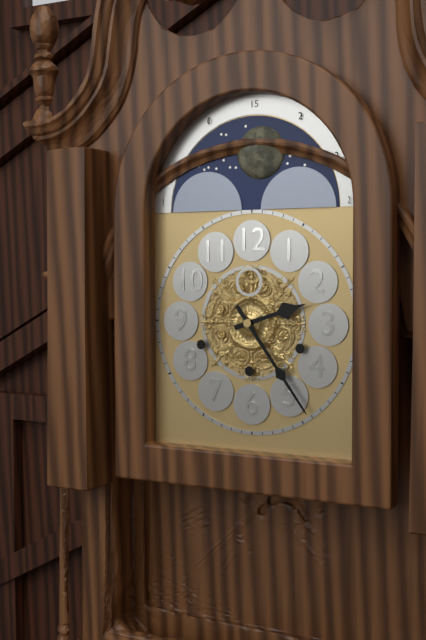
**2:24**
